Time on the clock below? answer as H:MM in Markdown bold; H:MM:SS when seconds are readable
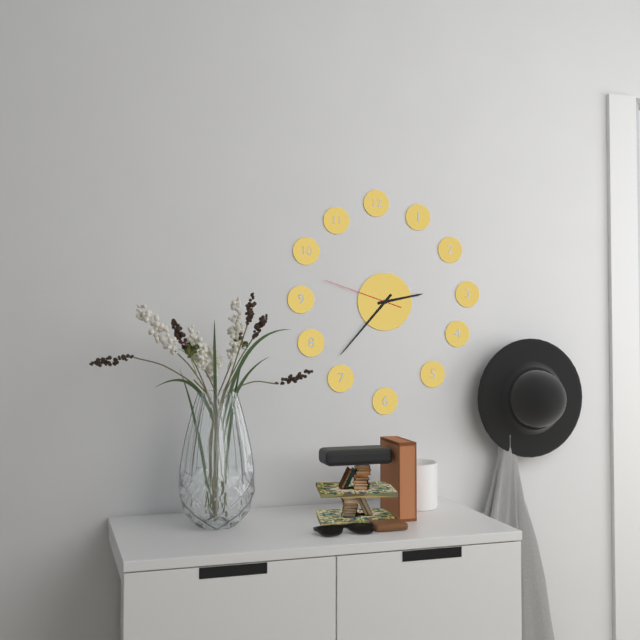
**2:37:48**
